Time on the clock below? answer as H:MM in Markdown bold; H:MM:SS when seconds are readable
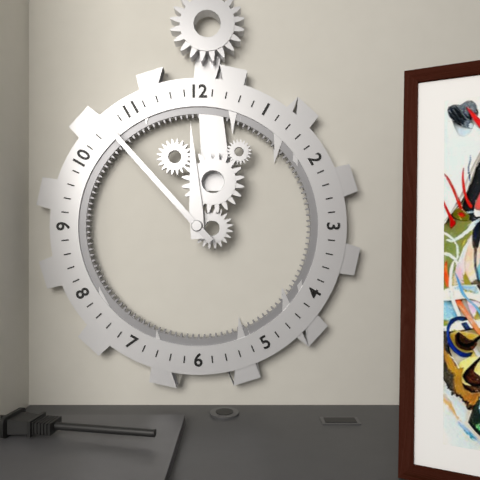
**11:53**
